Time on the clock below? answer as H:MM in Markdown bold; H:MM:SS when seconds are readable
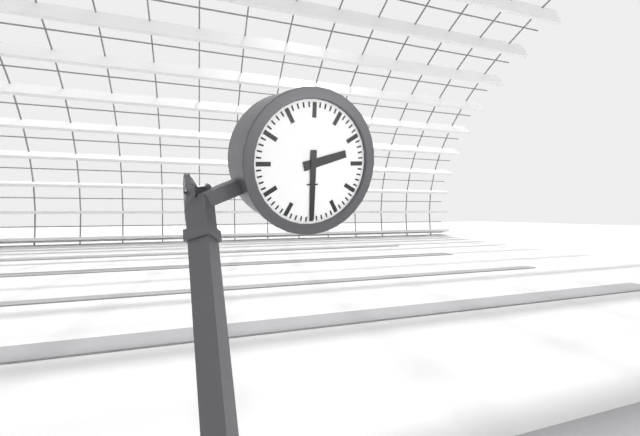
**2:30**
